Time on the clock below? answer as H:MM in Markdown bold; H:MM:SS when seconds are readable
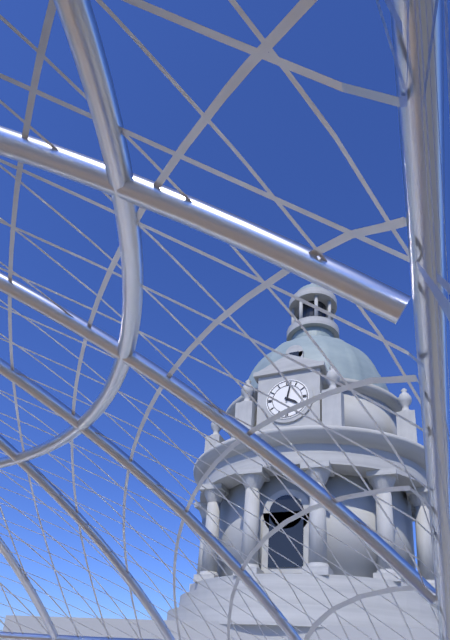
**4:02**
